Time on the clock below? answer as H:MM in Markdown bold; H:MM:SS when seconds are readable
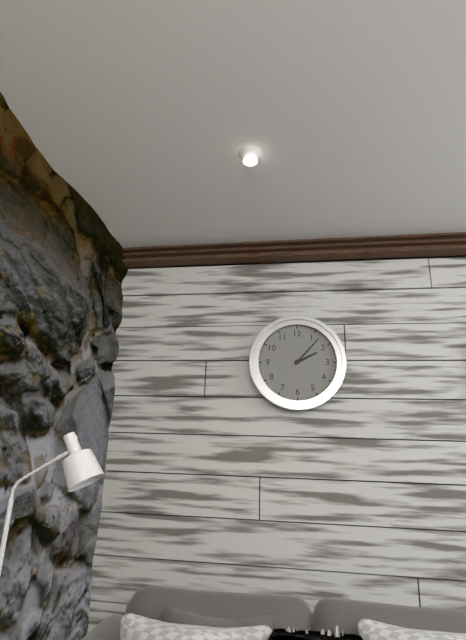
**2:07**
